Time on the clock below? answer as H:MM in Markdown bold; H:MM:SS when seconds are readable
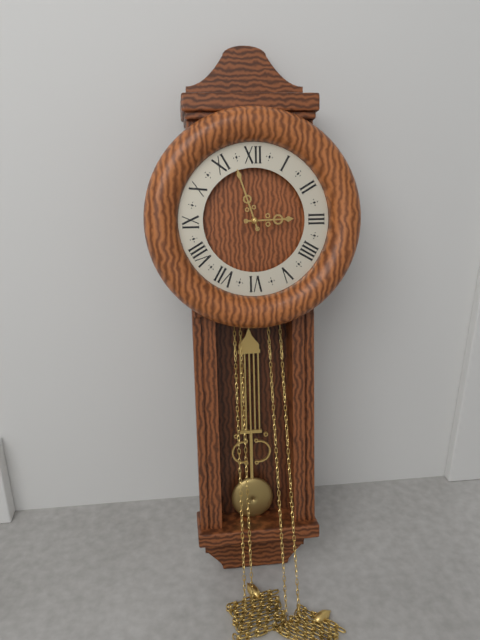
**2:57**
